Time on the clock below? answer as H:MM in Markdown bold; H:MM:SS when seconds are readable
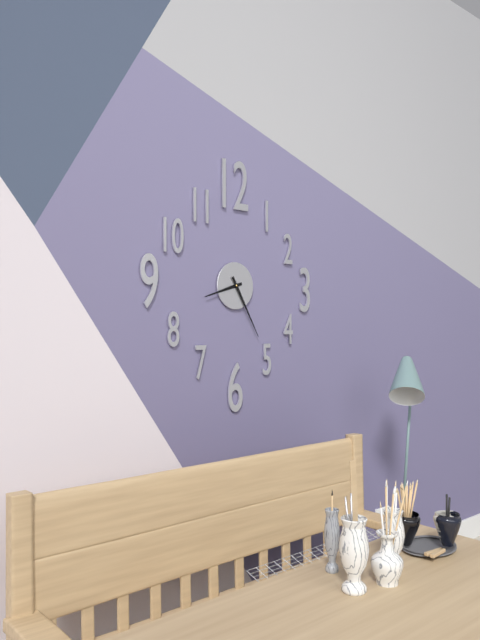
**8:25**
